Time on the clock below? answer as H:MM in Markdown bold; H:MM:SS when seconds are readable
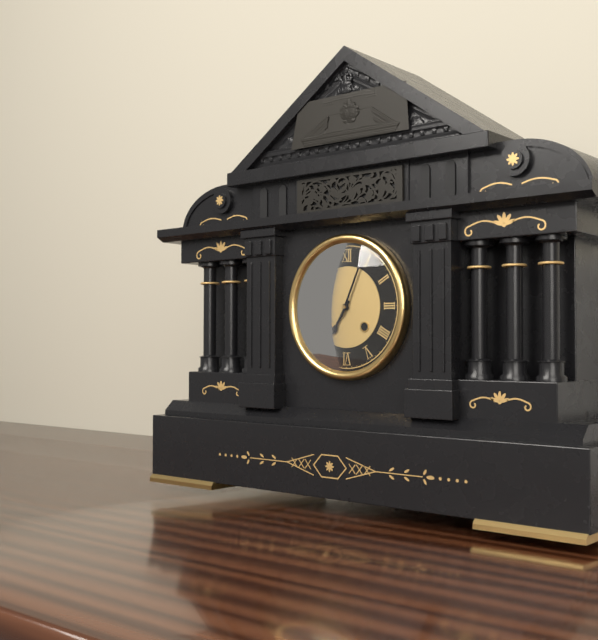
**7:04**
